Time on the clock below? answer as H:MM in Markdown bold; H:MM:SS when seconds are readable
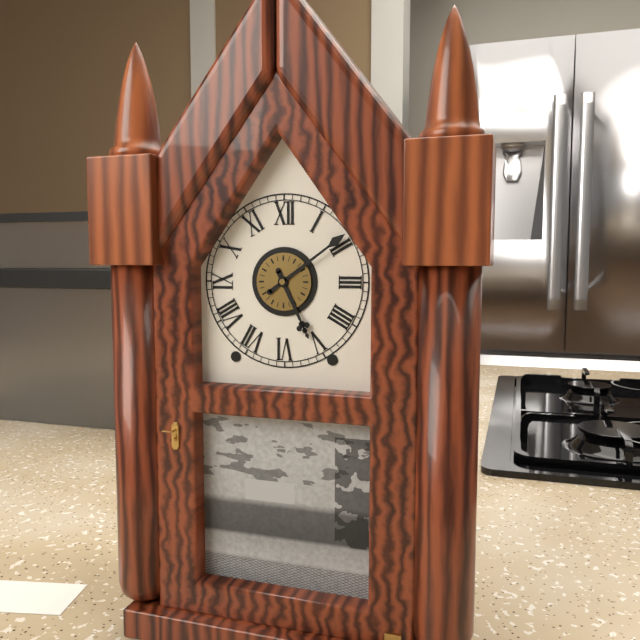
**5:09**
